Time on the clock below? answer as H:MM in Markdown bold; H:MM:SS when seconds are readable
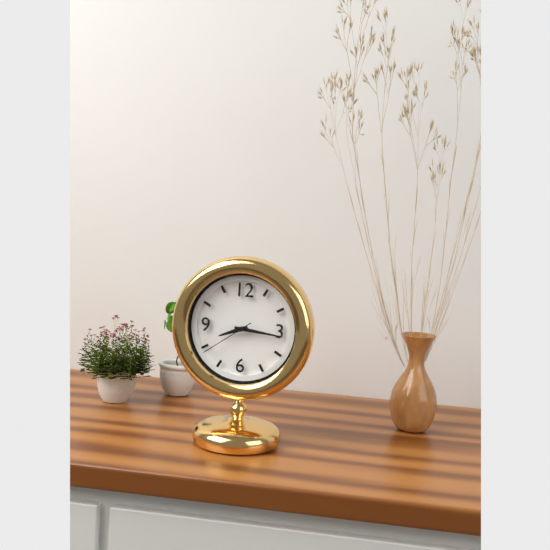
**8:16:39**
